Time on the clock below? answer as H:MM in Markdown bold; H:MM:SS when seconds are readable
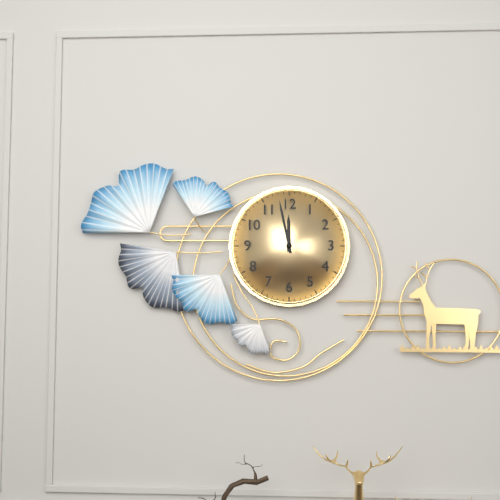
**11:58**
